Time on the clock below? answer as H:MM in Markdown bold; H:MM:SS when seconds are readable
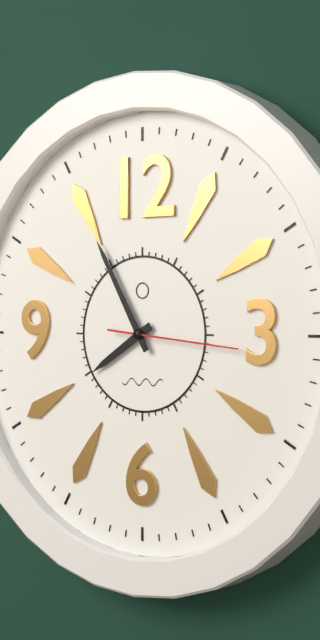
**7:55:16**
